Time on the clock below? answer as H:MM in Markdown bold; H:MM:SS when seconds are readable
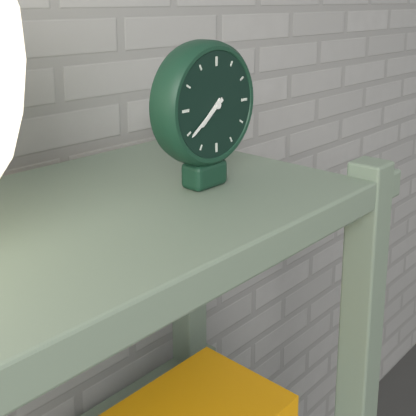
**7:39**
